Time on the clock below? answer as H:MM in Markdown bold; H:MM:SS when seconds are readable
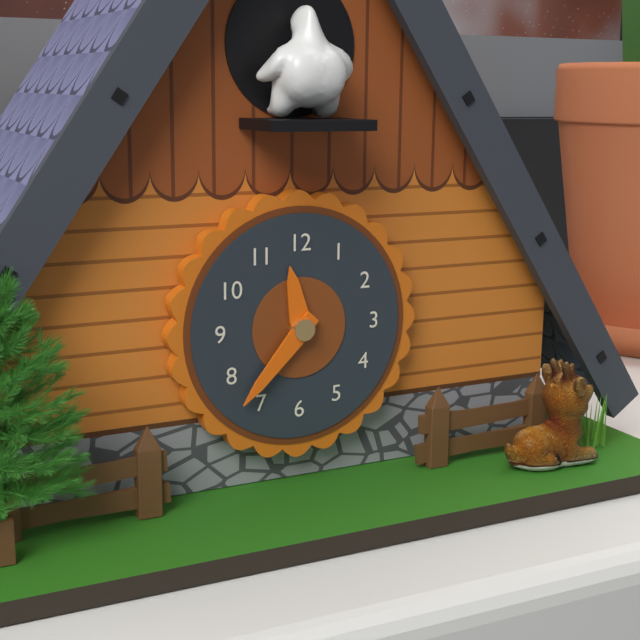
**11:37**
